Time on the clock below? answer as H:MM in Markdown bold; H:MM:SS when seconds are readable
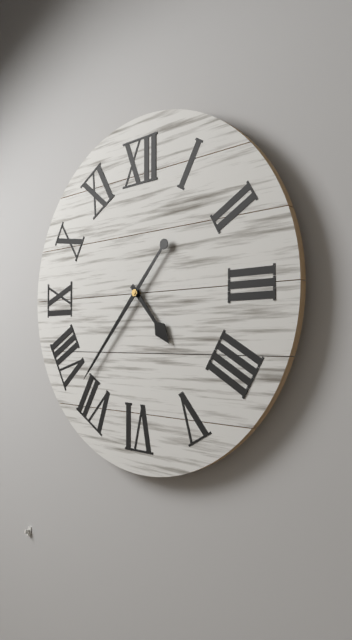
**4:37**
